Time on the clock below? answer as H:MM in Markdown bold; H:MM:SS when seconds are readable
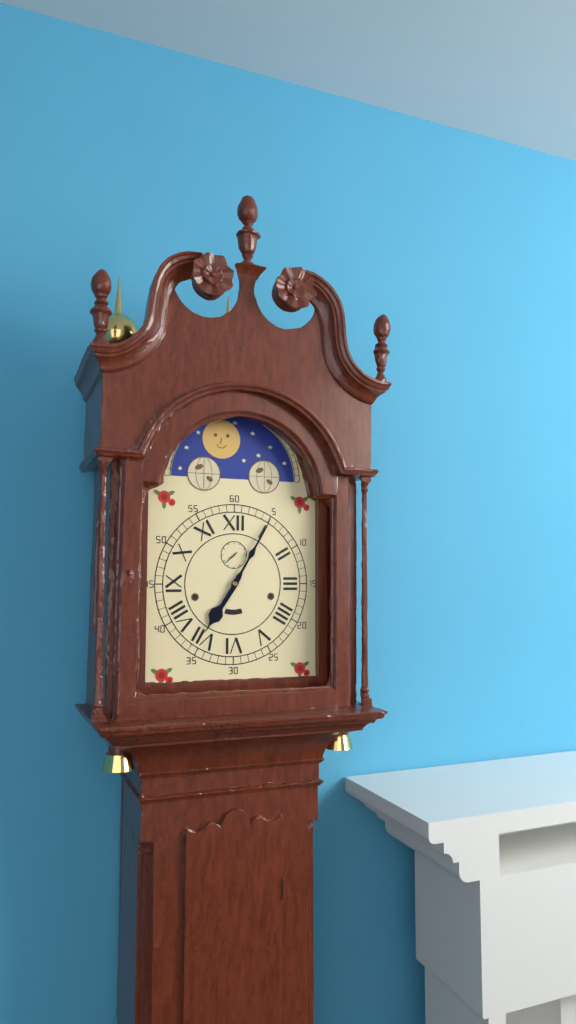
**7:05**
